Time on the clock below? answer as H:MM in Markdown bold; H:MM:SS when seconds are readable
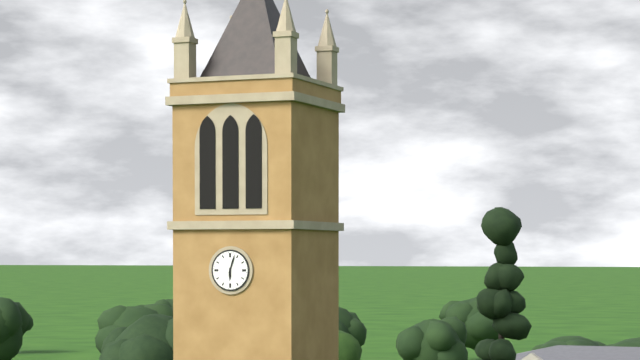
**6:03**
